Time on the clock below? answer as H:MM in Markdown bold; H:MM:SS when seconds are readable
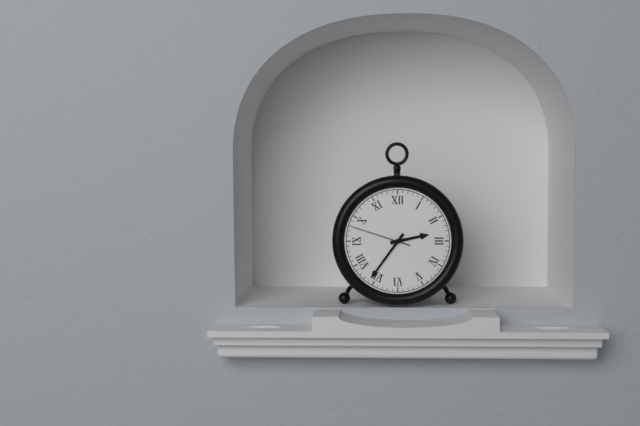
**2:36:48**
